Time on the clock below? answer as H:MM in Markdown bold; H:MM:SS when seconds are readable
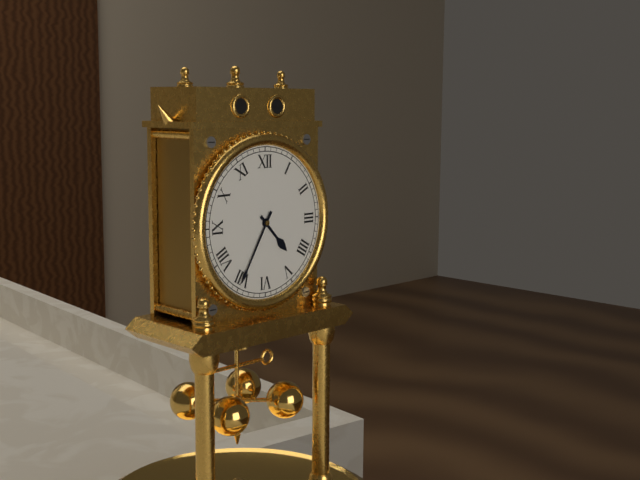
**4:35**
